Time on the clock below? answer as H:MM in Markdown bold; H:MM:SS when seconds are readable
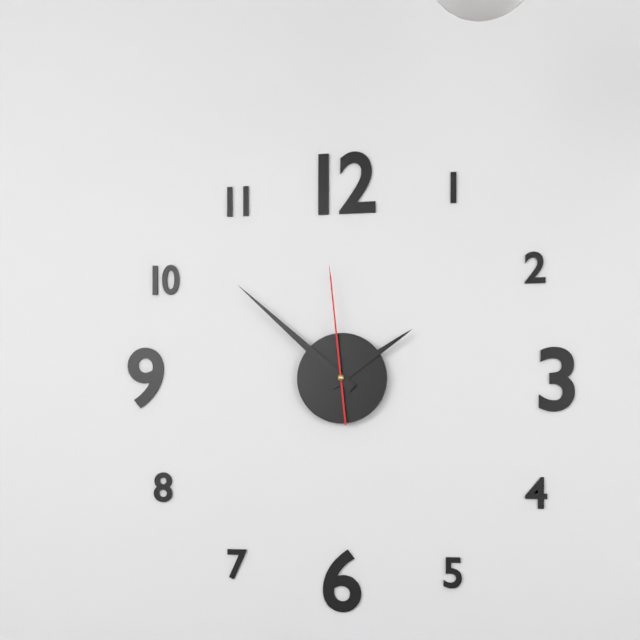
**1:52:59**
